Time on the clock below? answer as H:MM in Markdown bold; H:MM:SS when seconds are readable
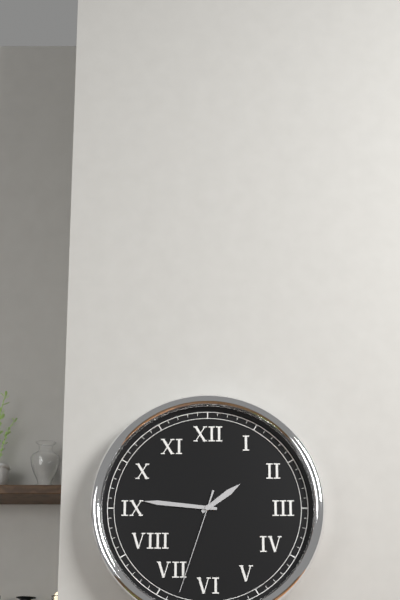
**1:46:33**
